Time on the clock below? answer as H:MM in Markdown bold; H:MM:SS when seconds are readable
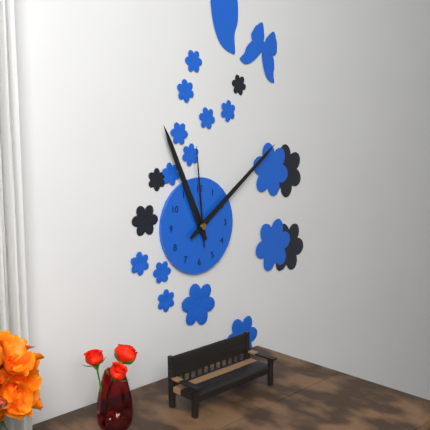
**11:09:59**
